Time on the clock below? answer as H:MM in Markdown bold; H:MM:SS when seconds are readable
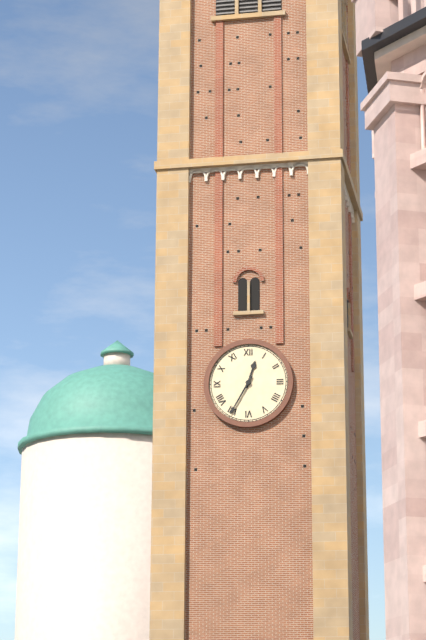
**12:35**
